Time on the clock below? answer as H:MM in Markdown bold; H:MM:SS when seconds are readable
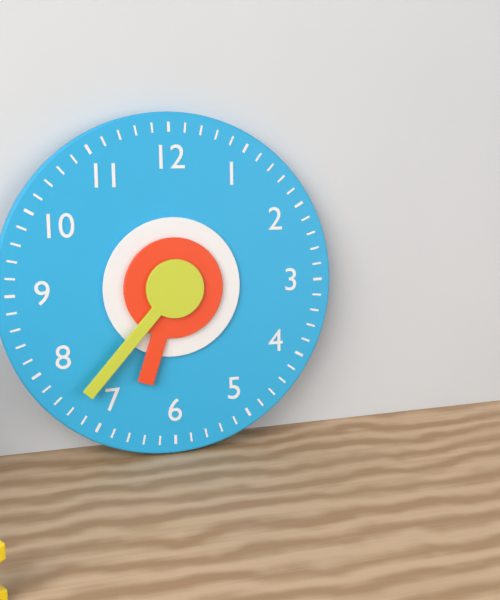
**6:37**
